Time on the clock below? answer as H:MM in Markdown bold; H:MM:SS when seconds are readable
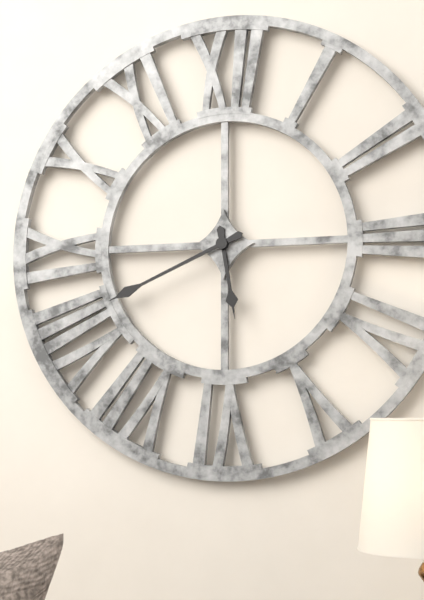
**5:41**
